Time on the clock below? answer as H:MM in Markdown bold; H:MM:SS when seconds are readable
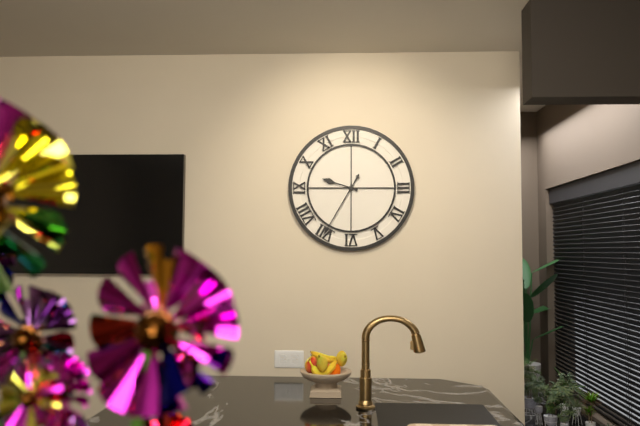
**9:35**
